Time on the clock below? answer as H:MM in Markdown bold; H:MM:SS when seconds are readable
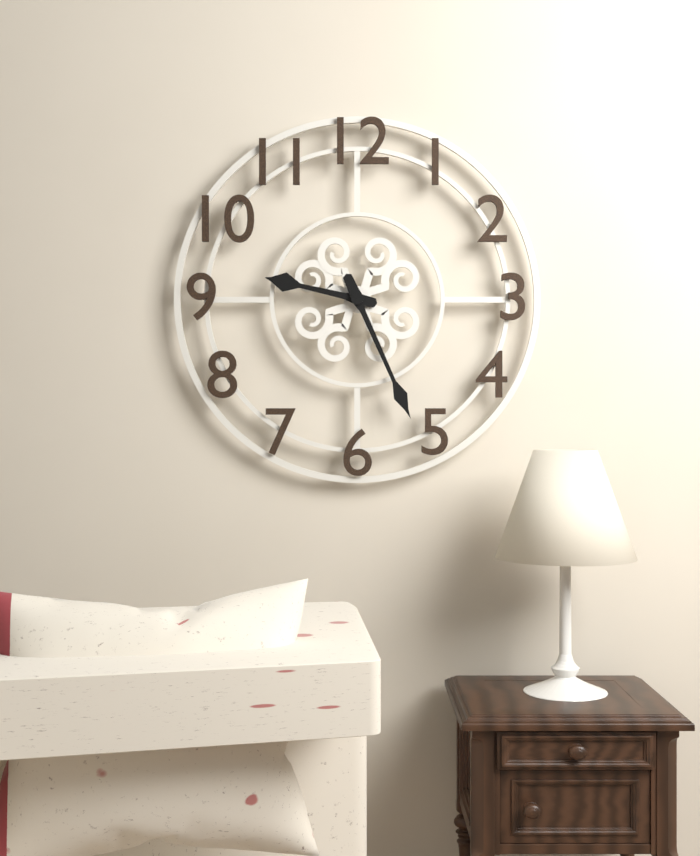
**9:26**
